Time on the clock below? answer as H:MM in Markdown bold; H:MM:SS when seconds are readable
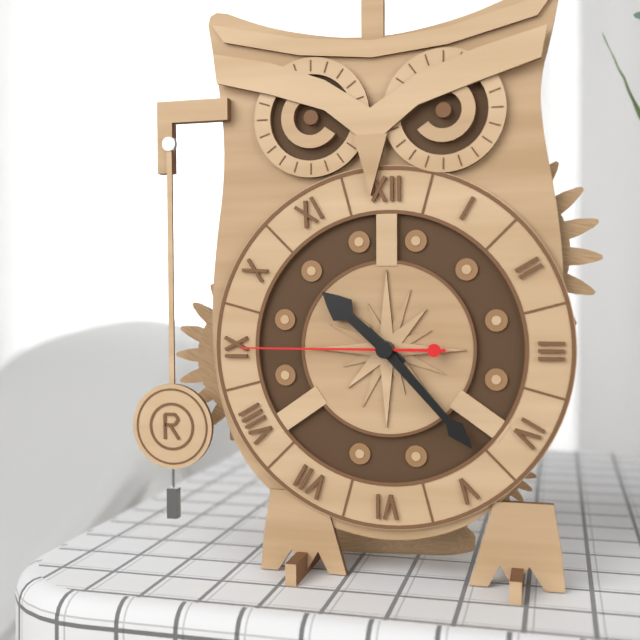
**10:23:45**
